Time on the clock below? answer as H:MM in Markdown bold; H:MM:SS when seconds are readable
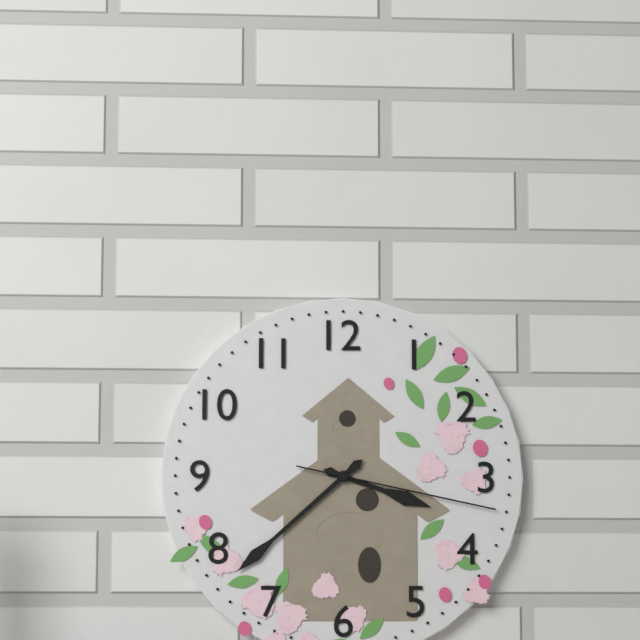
**3:38:17**
